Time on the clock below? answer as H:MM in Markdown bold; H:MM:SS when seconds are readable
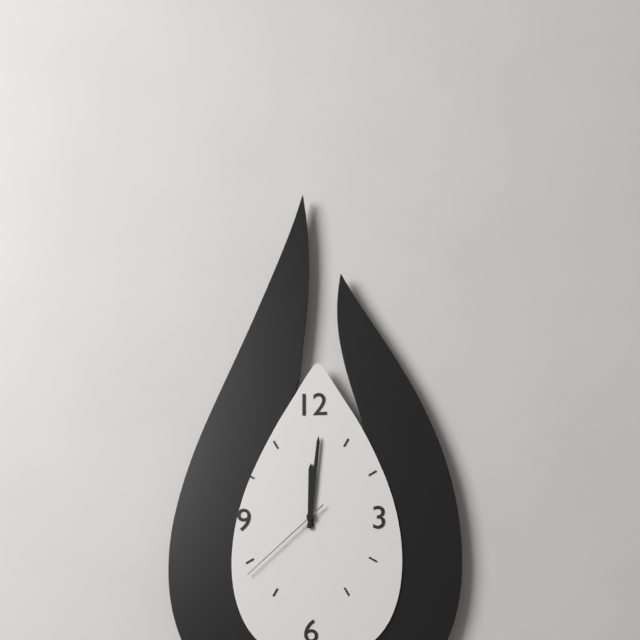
**12:01:38**
